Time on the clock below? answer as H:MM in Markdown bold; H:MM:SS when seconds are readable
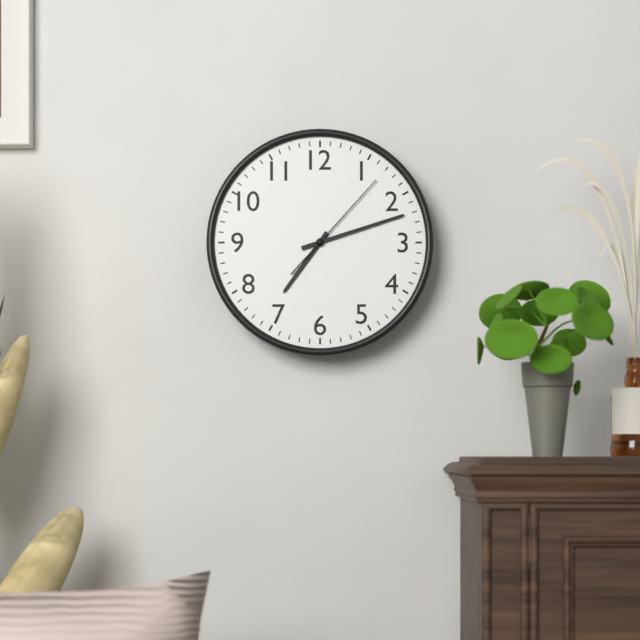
**7:12:07**
